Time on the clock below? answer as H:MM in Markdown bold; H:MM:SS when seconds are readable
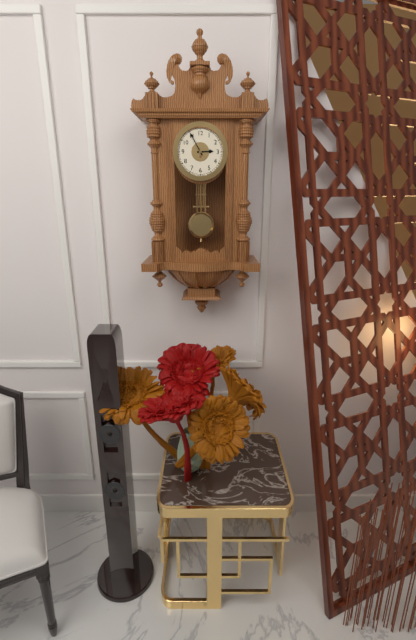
**2:55**
